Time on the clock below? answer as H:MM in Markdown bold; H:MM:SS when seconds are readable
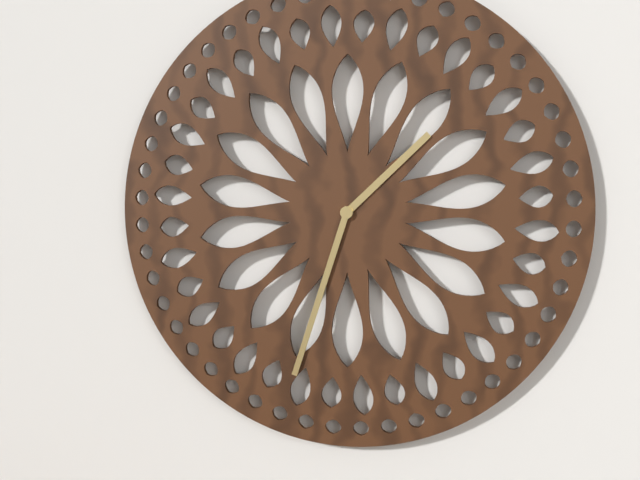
**1:33**
